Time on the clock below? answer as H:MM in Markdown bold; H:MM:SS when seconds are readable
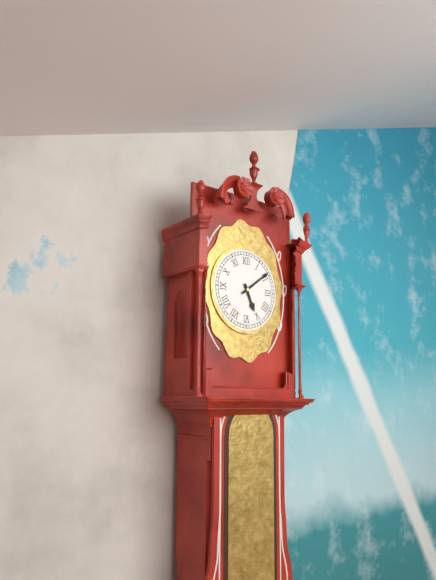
**5:09**
